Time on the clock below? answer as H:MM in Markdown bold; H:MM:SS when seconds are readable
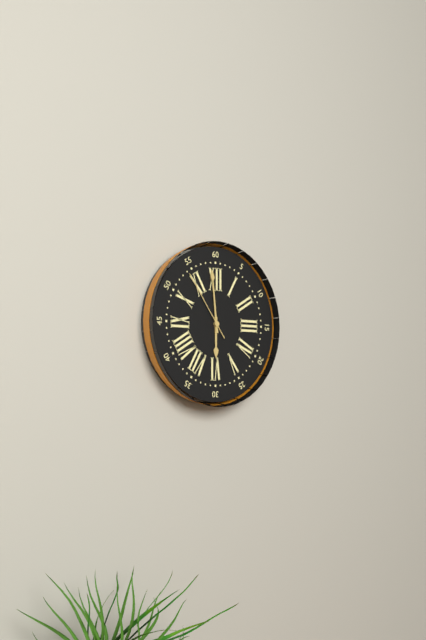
**5:59:54**
